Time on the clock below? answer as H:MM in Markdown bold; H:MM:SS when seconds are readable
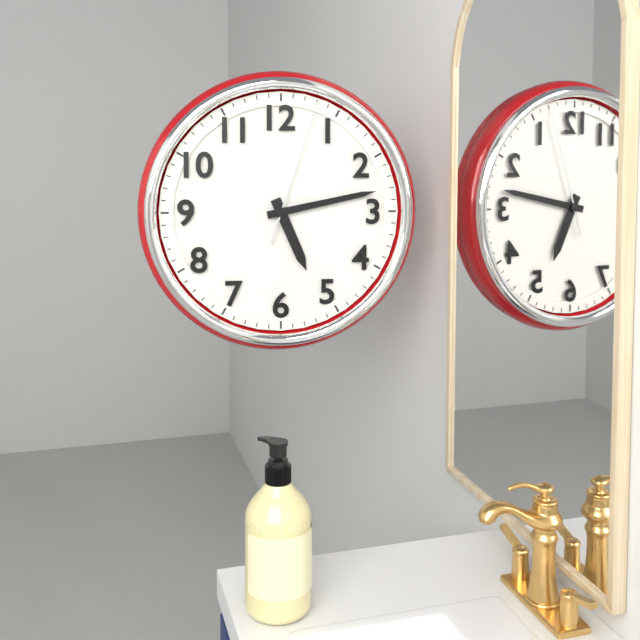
**5:13:03**
